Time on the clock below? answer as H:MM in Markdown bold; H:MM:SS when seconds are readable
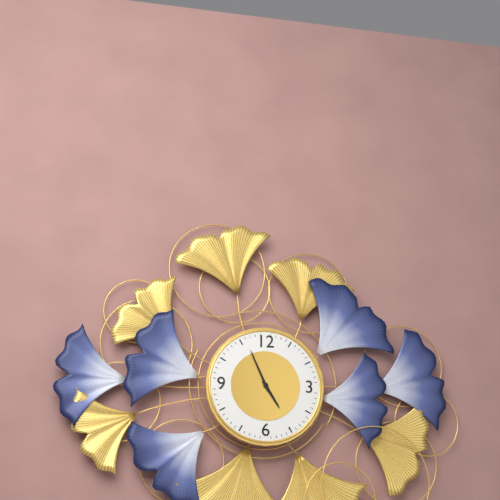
**4:56**
